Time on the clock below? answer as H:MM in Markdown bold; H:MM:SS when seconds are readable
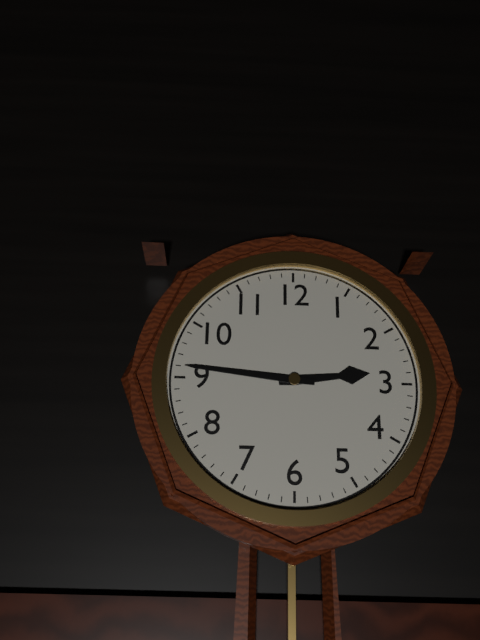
**2:46**
